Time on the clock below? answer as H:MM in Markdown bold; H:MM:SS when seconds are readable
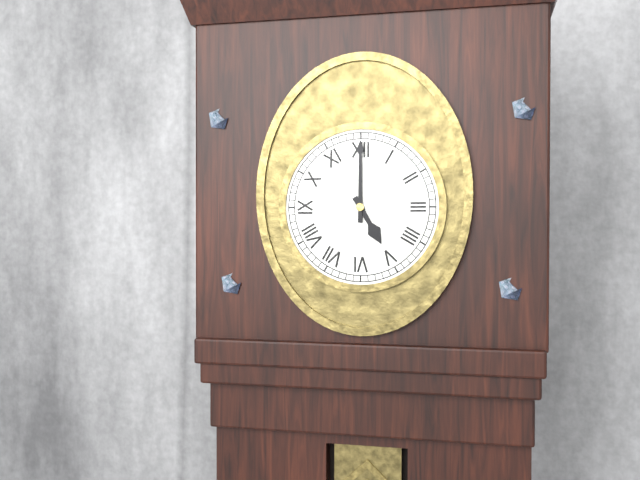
**5:00**
